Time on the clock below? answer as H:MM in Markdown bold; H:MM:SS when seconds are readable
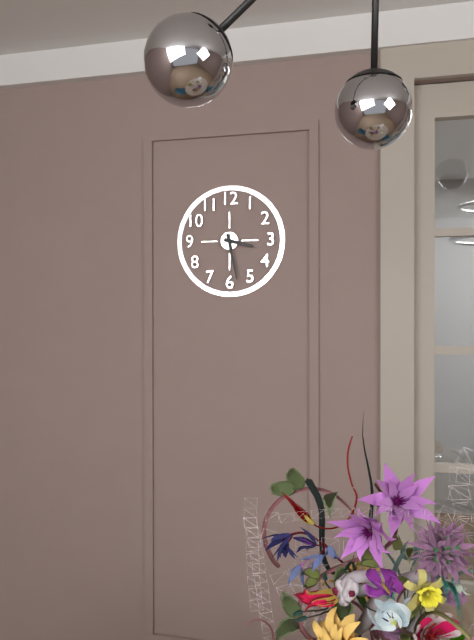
**3:28**
